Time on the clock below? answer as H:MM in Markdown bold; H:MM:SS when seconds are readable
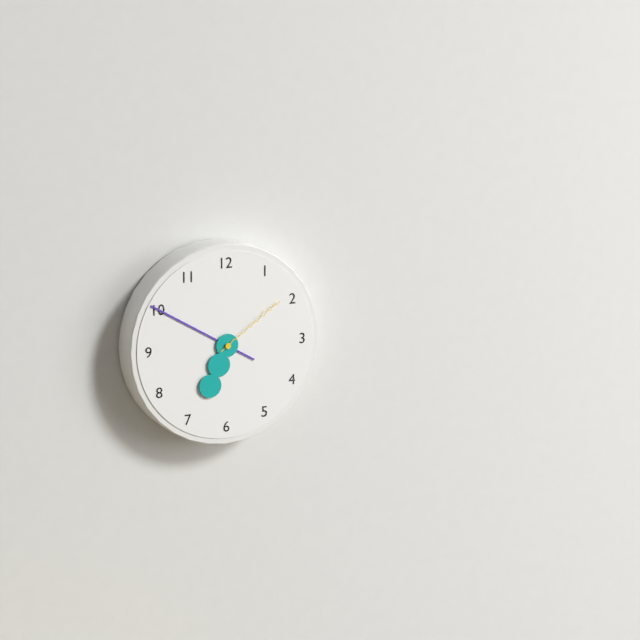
**6:50:09**
